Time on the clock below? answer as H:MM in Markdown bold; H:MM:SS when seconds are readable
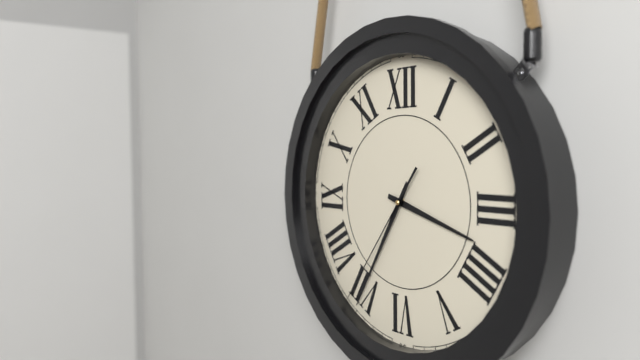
**3:35:36**
